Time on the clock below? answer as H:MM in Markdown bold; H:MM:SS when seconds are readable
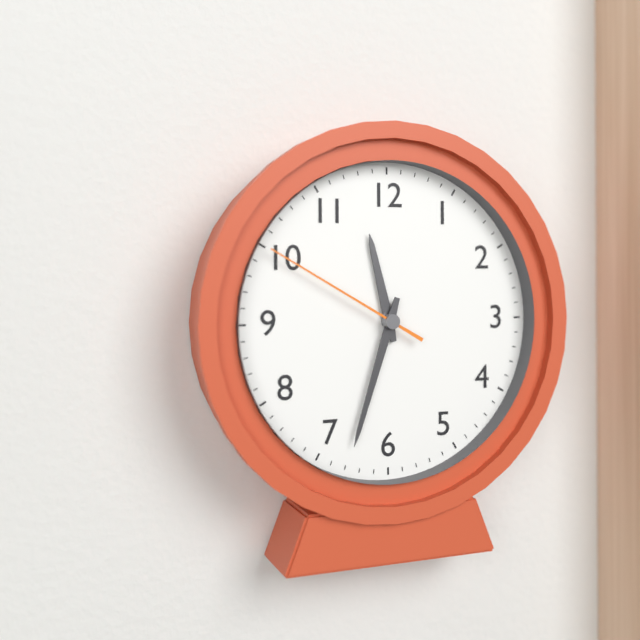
**11:33:50**
